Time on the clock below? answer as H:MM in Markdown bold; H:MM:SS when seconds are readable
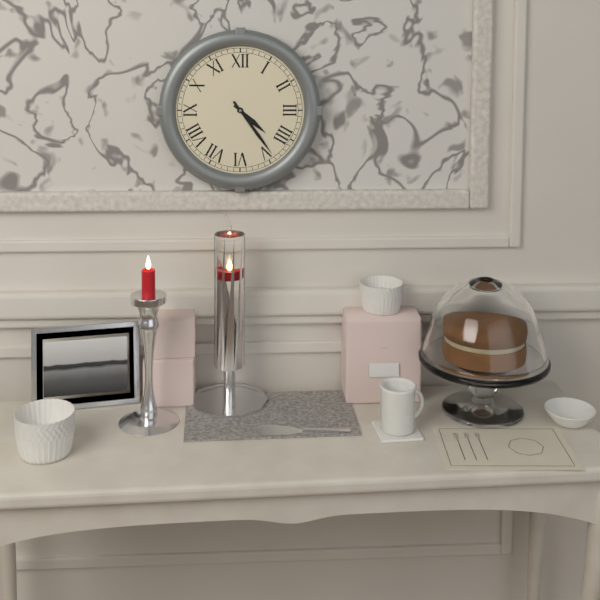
**4:24**
